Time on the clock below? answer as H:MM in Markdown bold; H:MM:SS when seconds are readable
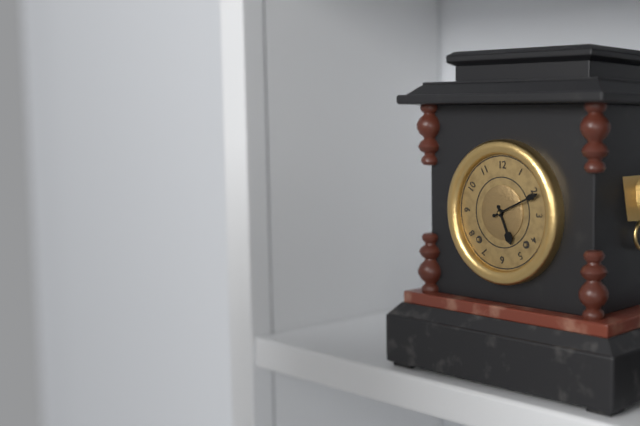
**5:11**
